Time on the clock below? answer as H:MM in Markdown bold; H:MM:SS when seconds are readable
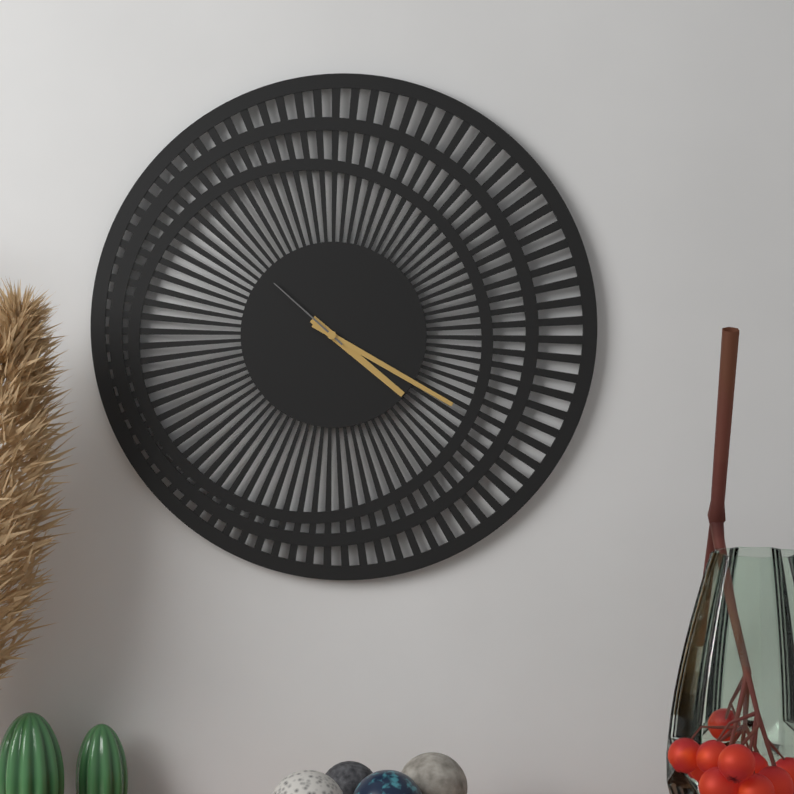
**4:20:52**
